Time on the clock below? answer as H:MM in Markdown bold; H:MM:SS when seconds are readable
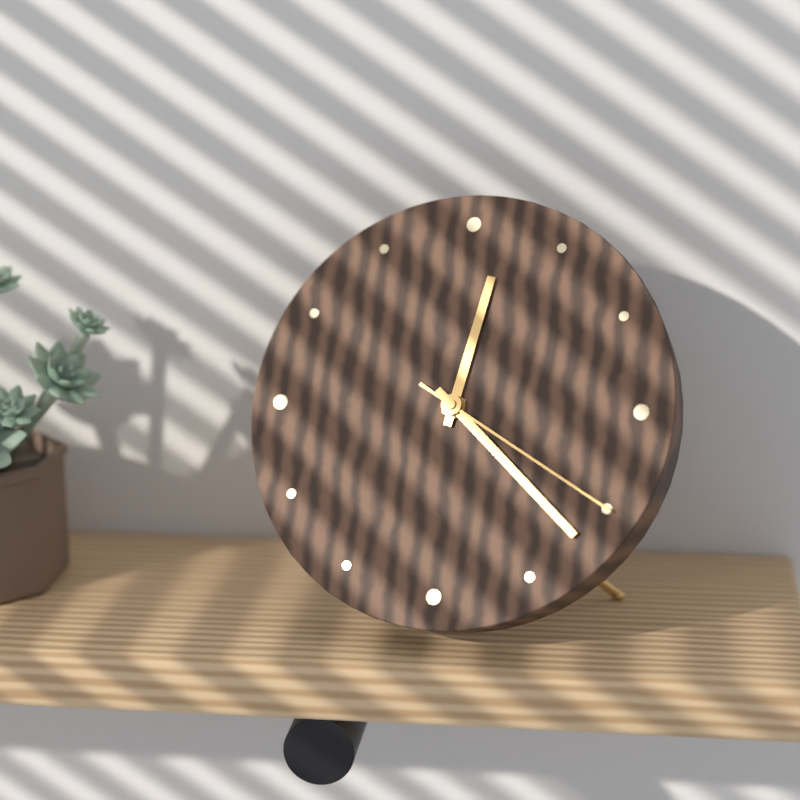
**12:22:20**
